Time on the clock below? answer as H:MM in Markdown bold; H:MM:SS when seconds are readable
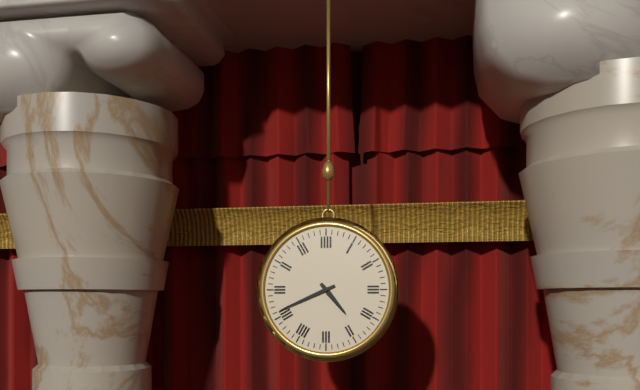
**4:41**
